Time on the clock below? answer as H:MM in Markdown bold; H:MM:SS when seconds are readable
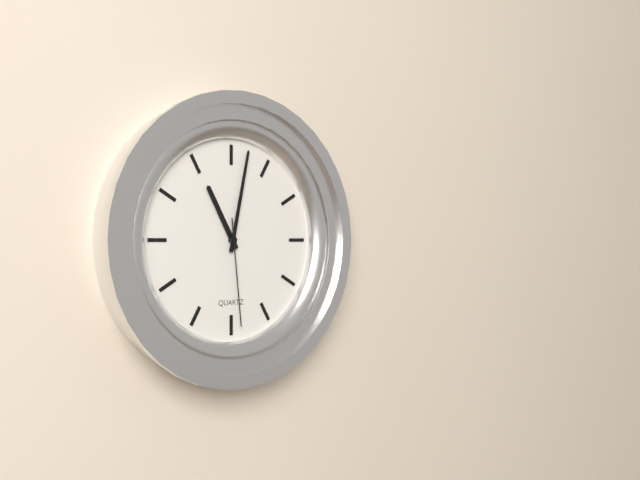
**11:02:29**
